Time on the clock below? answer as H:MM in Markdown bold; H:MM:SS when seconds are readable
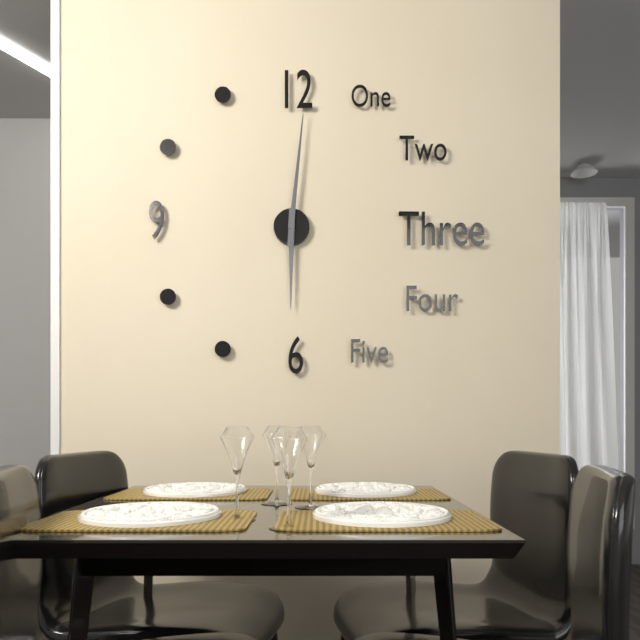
**6:01**
